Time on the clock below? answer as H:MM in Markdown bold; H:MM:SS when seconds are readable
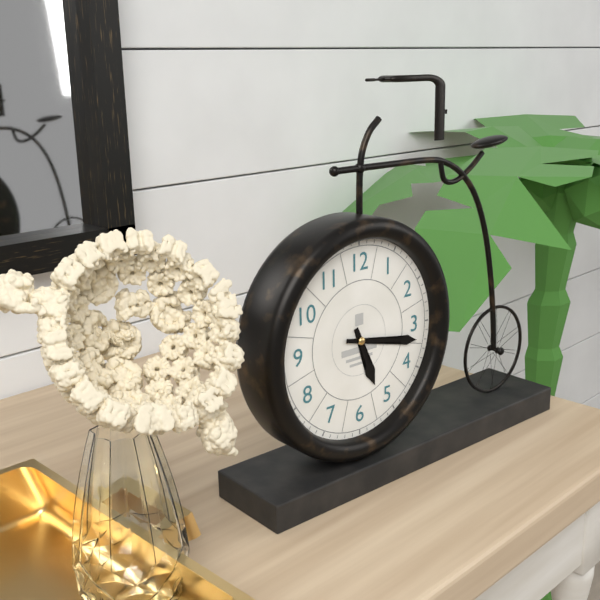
**5:17**
